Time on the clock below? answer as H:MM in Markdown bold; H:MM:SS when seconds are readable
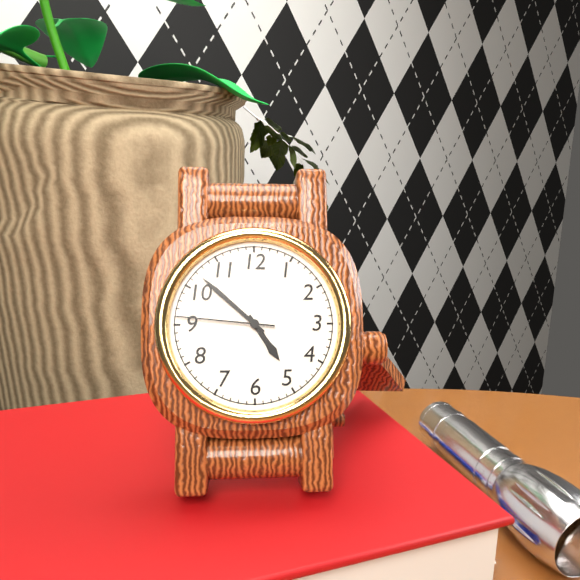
**4:52:46**
